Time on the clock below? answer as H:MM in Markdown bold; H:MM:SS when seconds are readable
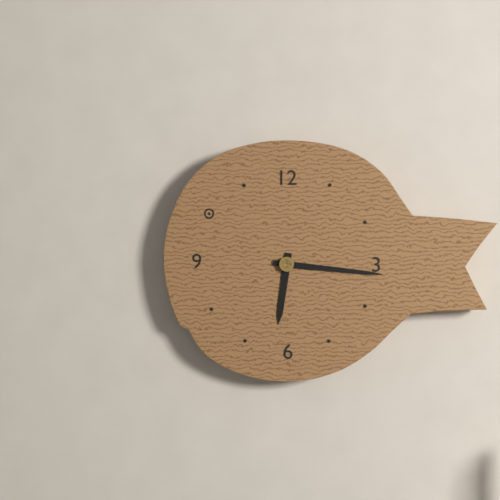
**6:16**
